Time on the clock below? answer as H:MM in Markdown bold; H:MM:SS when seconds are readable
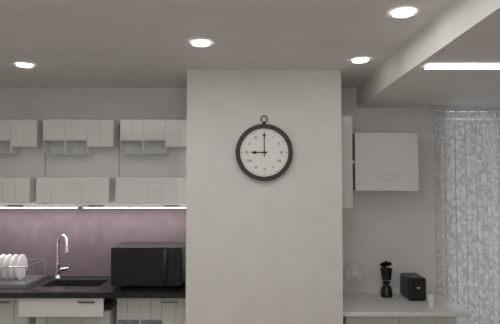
**9:00**
